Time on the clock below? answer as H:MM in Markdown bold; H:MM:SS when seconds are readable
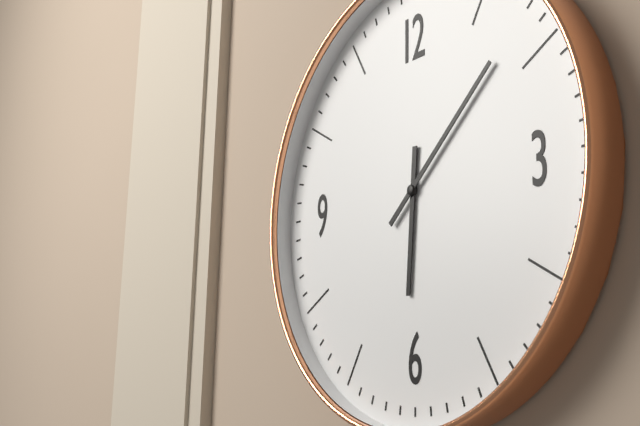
**6:08**
